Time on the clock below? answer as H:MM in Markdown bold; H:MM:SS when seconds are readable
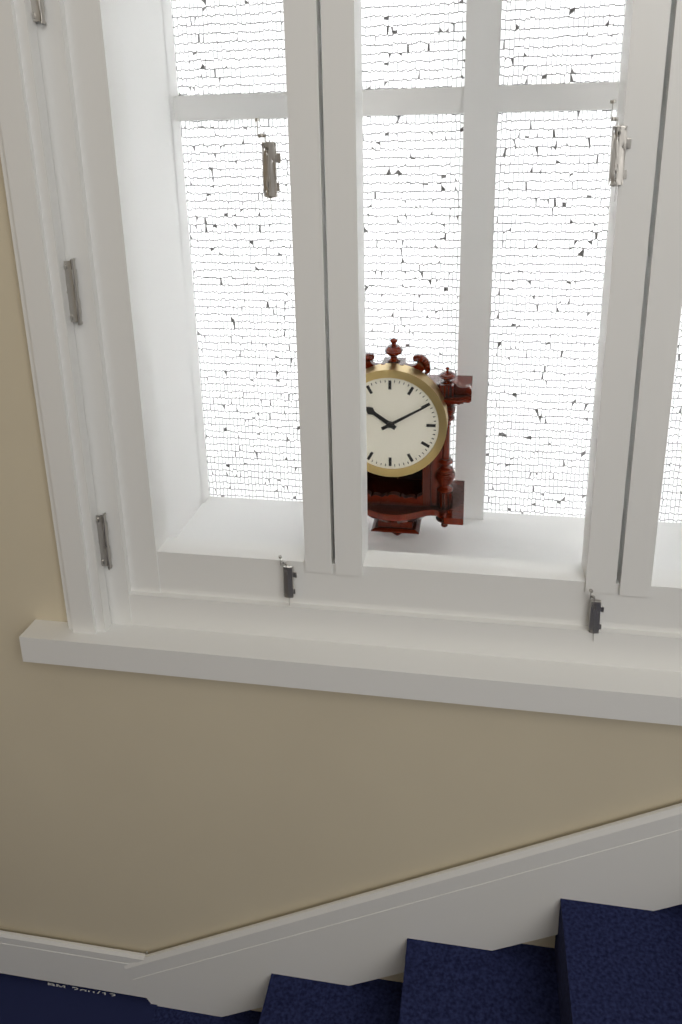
**10:10**
